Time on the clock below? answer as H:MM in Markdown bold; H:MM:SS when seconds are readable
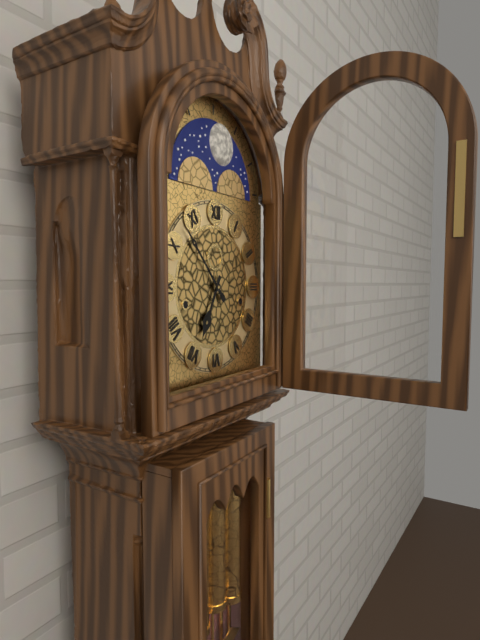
**6:53**
